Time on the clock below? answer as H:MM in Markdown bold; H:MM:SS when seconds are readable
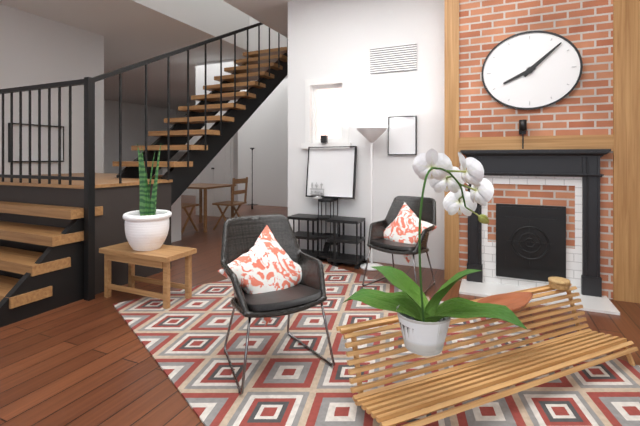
**8:08**
